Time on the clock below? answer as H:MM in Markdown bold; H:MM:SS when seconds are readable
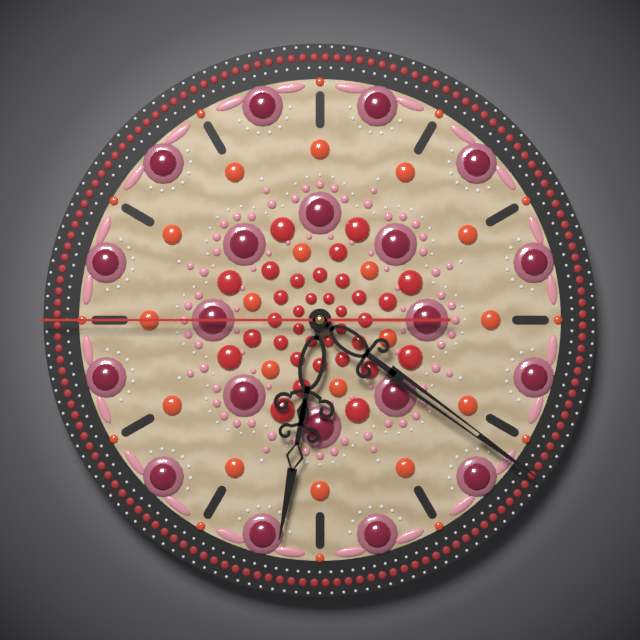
**6:21:45**
